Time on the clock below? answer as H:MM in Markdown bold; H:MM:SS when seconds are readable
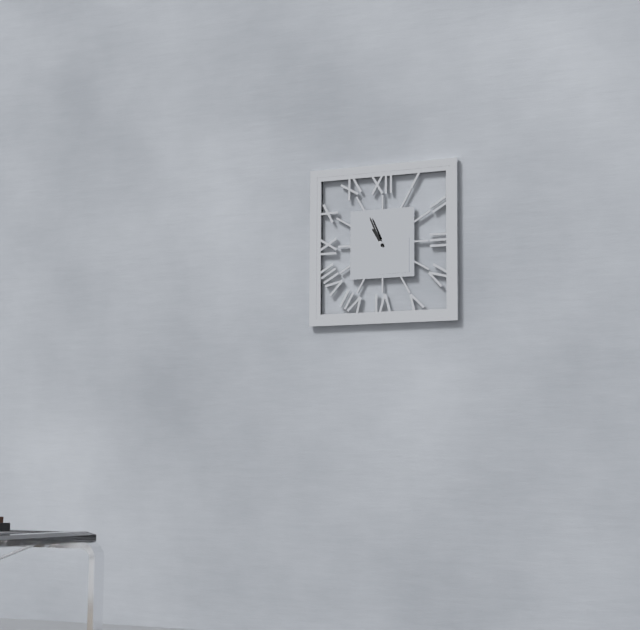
**10:56**
